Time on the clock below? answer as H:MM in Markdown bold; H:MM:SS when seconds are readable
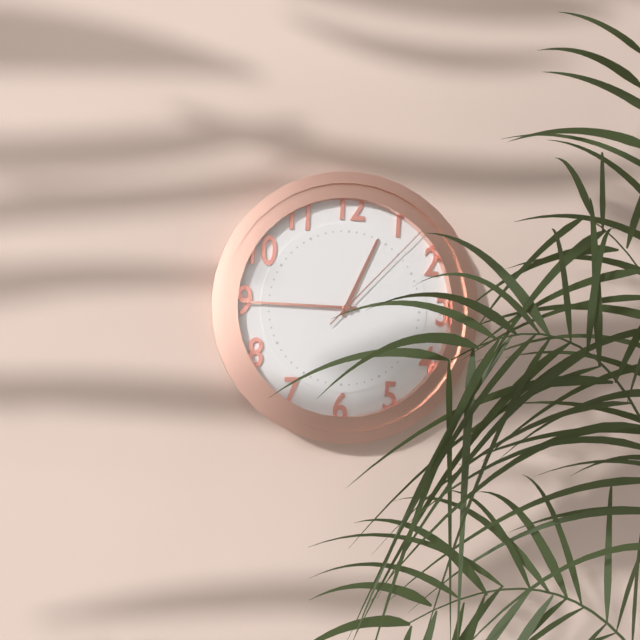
**12:45:07**
